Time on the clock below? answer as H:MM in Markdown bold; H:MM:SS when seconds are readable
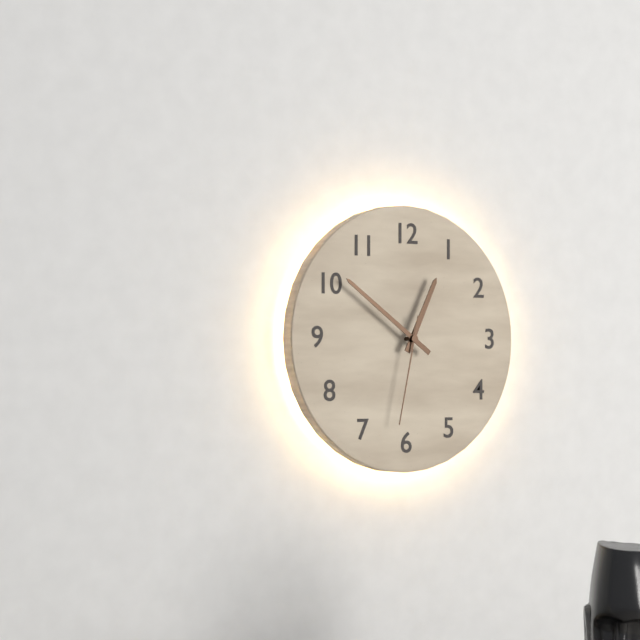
**12:51:32**
